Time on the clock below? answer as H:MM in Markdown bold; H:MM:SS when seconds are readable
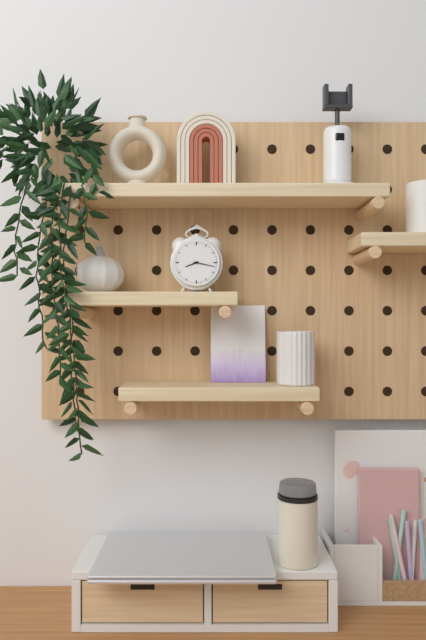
**8:17**
